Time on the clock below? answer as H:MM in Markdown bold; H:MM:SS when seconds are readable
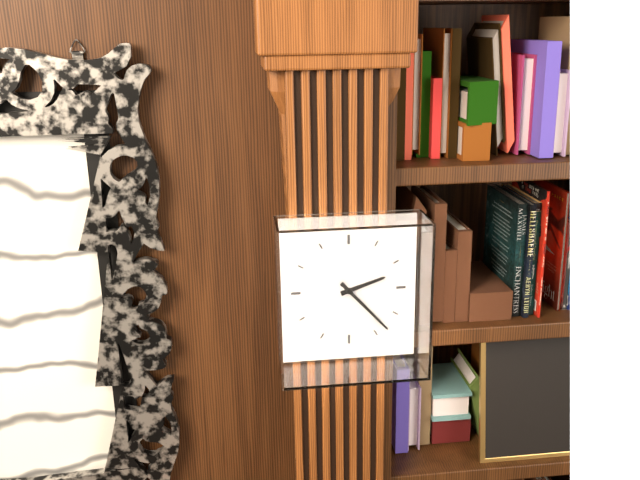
**2:23**
